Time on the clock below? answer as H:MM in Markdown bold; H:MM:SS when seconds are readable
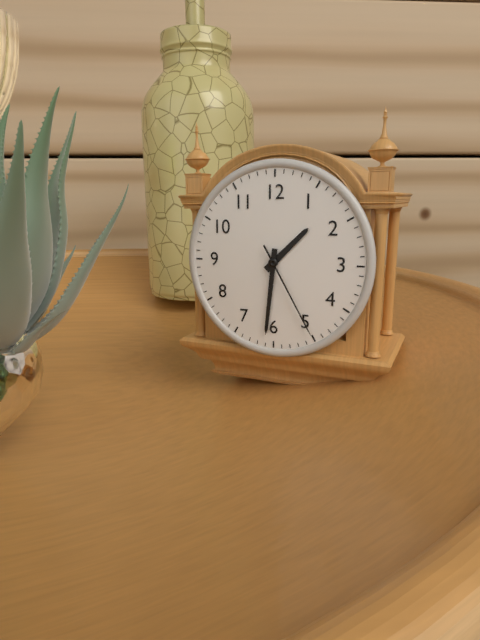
**1:31:25**
